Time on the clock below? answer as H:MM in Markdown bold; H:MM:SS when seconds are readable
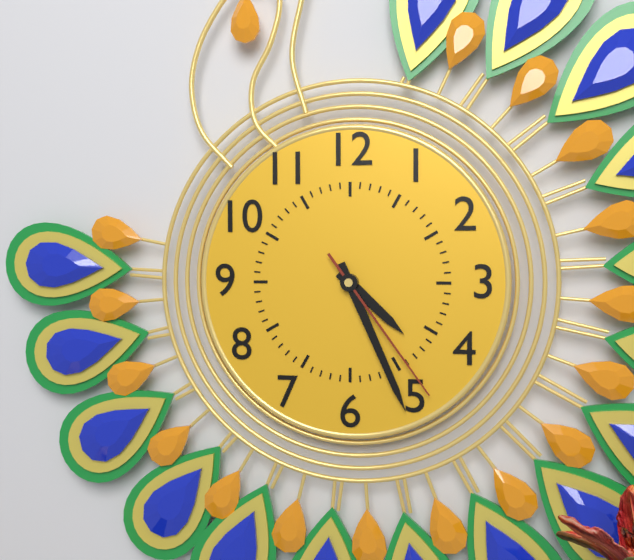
**4:26:24**
